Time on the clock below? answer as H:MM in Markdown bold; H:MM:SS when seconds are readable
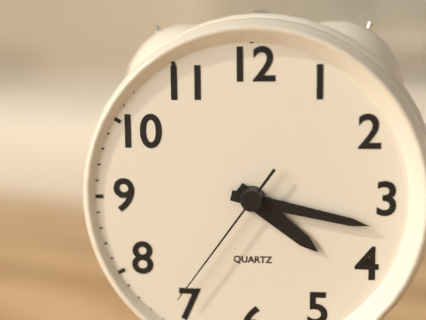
**4:17:36**
